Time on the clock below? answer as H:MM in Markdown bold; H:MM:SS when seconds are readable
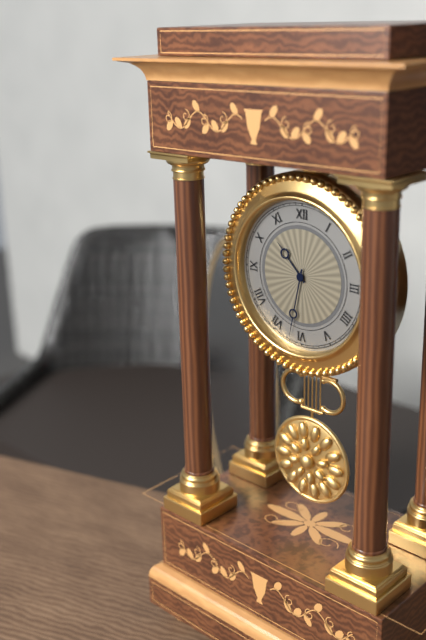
**10:32**
